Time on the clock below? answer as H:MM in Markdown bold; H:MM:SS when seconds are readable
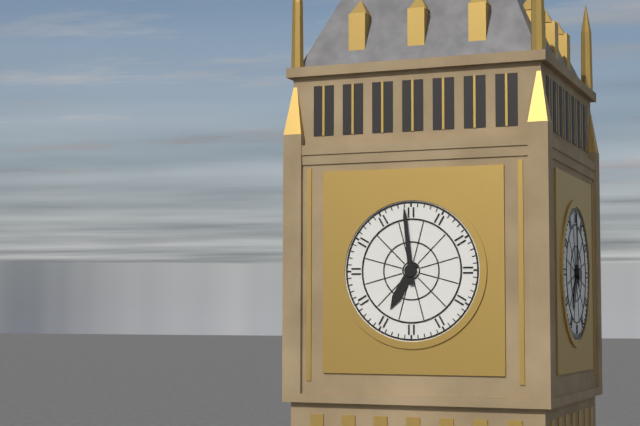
**6:59**
